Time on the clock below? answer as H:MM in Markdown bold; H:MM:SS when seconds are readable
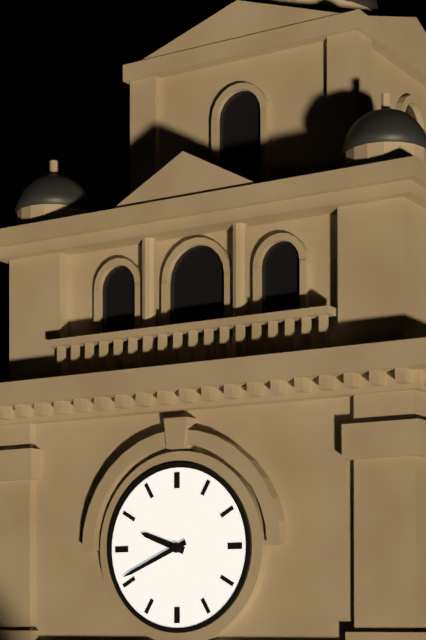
**9:41**
